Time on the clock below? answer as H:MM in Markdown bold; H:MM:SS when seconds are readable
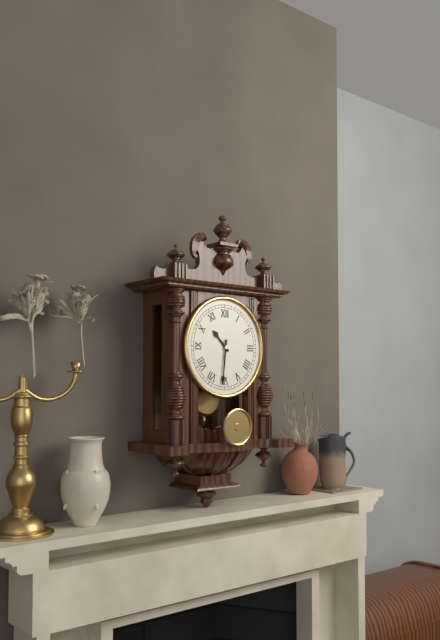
**10:31**
